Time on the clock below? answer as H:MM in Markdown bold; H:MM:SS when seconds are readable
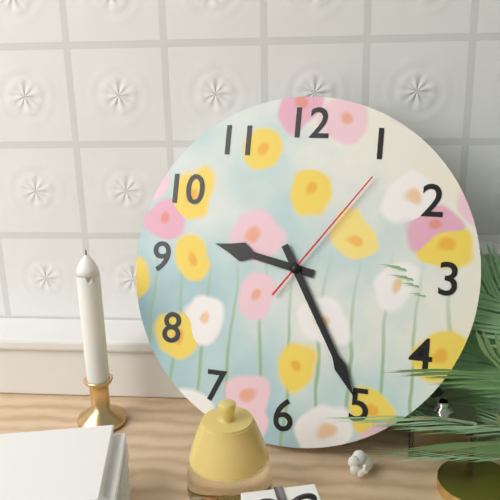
**9:25:06**
